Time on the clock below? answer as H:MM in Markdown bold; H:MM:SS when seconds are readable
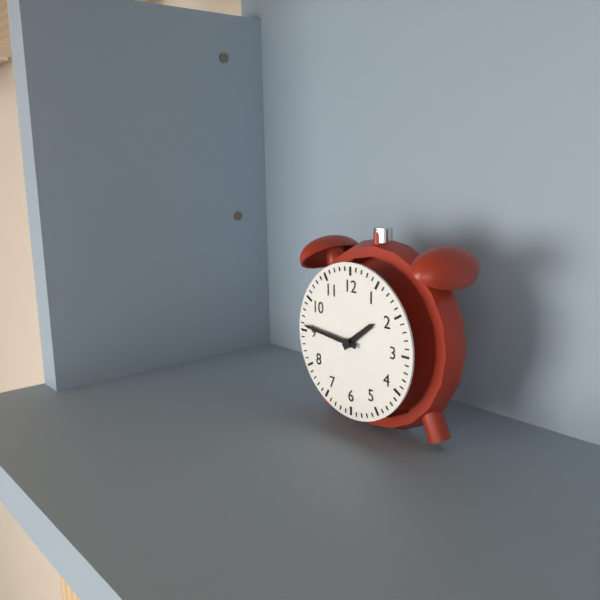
**1:46**
